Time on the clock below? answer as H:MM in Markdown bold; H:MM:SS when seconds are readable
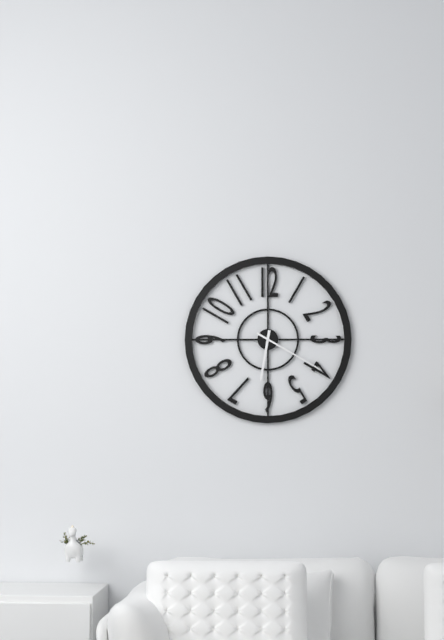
**6:20**
